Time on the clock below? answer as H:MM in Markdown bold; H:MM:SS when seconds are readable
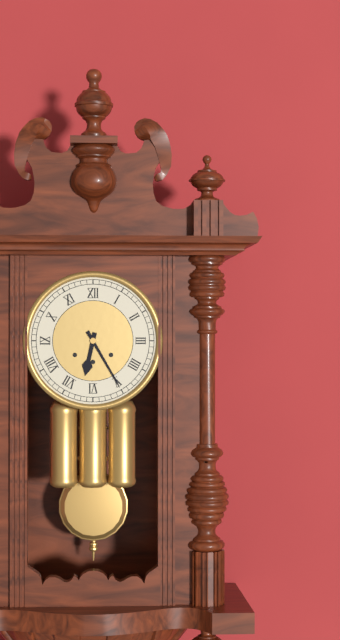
**6:25**
